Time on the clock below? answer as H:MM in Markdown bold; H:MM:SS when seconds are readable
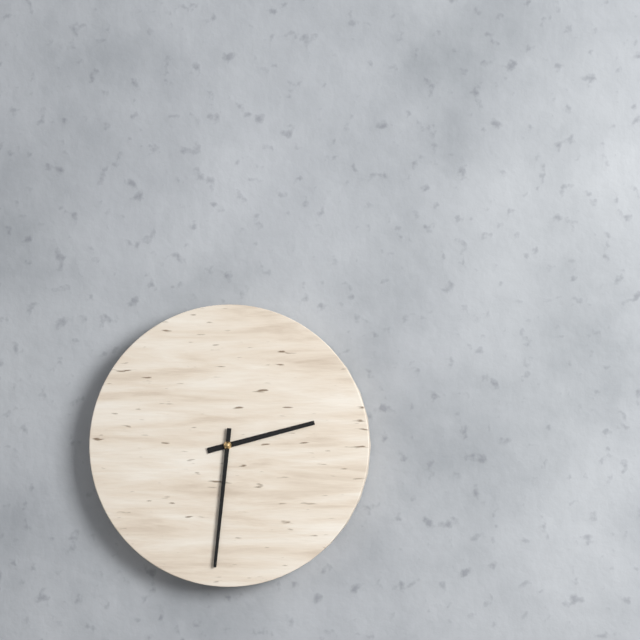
**2:31**
